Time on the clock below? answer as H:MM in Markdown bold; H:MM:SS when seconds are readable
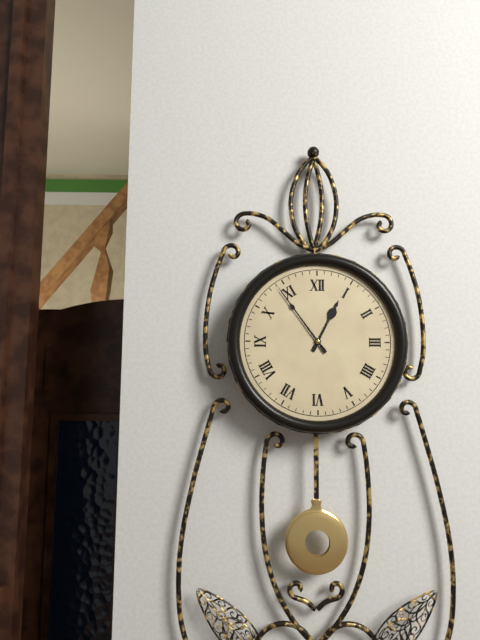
**12:54**
